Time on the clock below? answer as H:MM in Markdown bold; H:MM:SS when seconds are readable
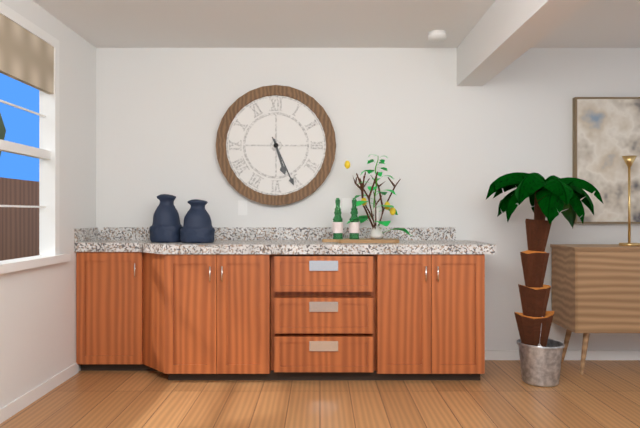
**5:26**
